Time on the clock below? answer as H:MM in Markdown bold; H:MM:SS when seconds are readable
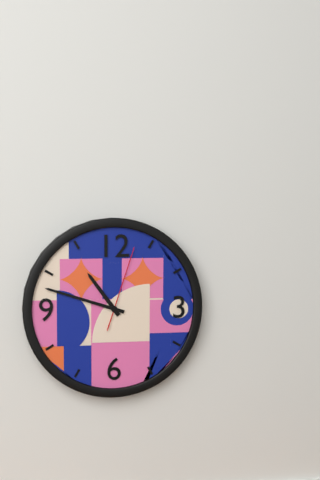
**10:48:03**
